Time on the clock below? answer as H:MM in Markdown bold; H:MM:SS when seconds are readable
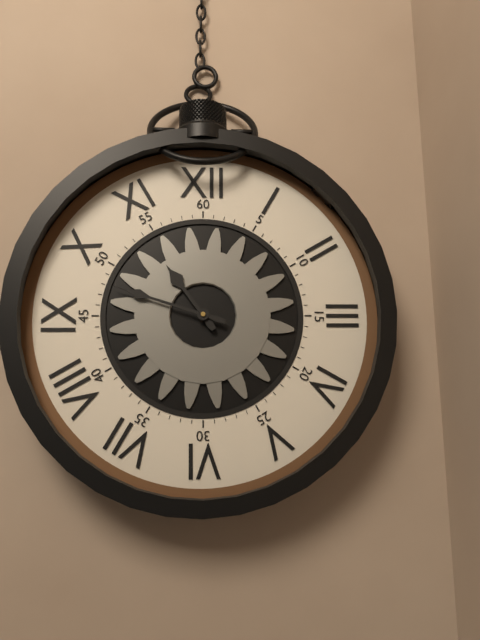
**10:48**
